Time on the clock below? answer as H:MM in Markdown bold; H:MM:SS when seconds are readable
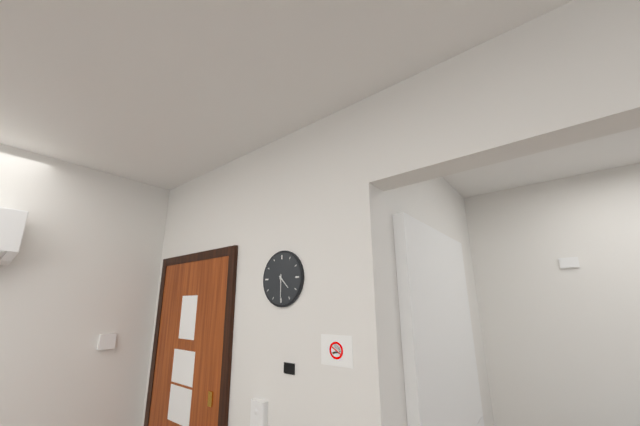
**4:30**
